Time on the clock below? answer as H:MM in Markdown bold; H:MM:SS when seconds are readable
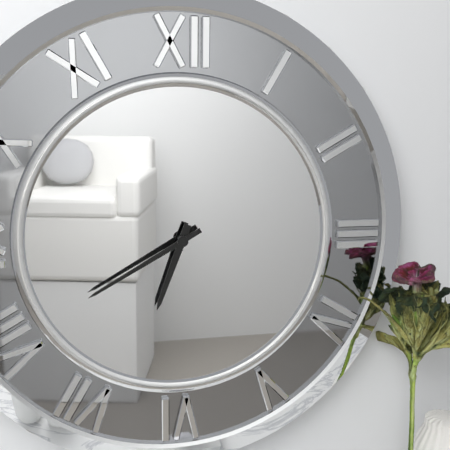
**6:40**
